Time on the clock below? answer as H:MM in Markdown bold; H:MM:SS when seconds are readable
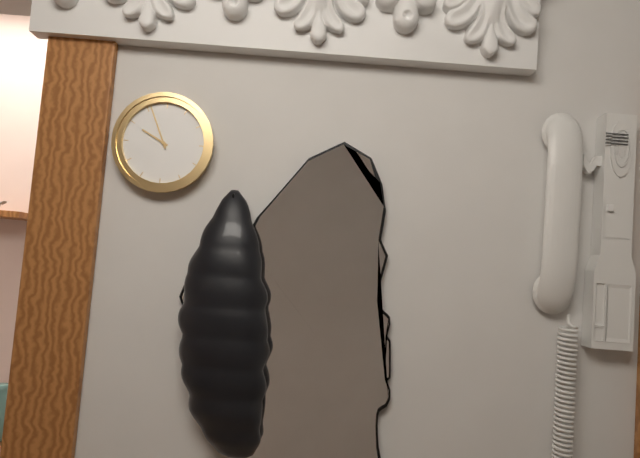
**9:56**
